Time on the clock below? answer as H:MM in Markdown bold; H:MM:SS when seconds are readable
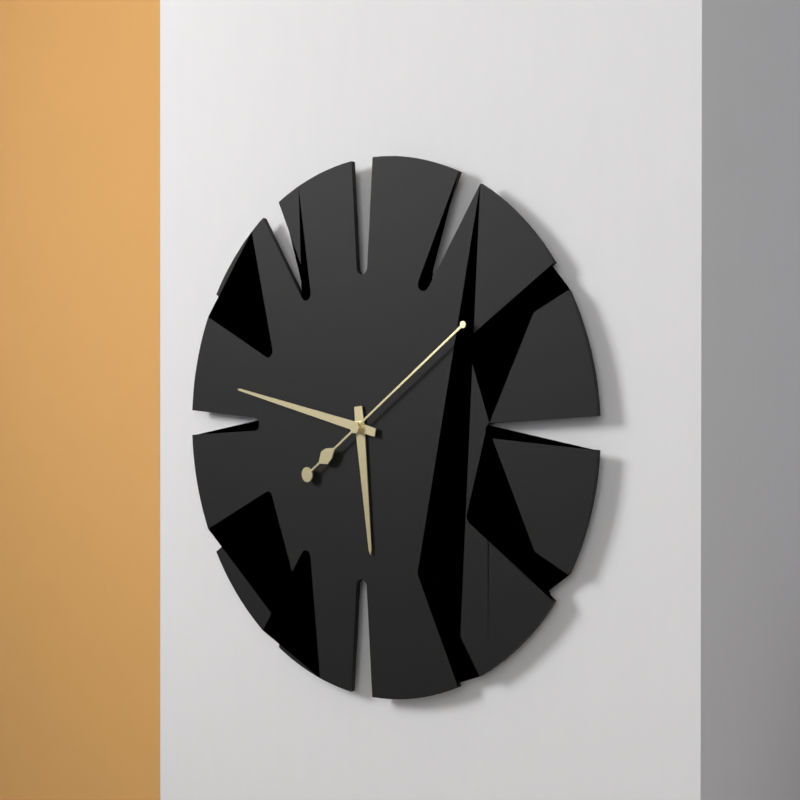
**5:47:09**
